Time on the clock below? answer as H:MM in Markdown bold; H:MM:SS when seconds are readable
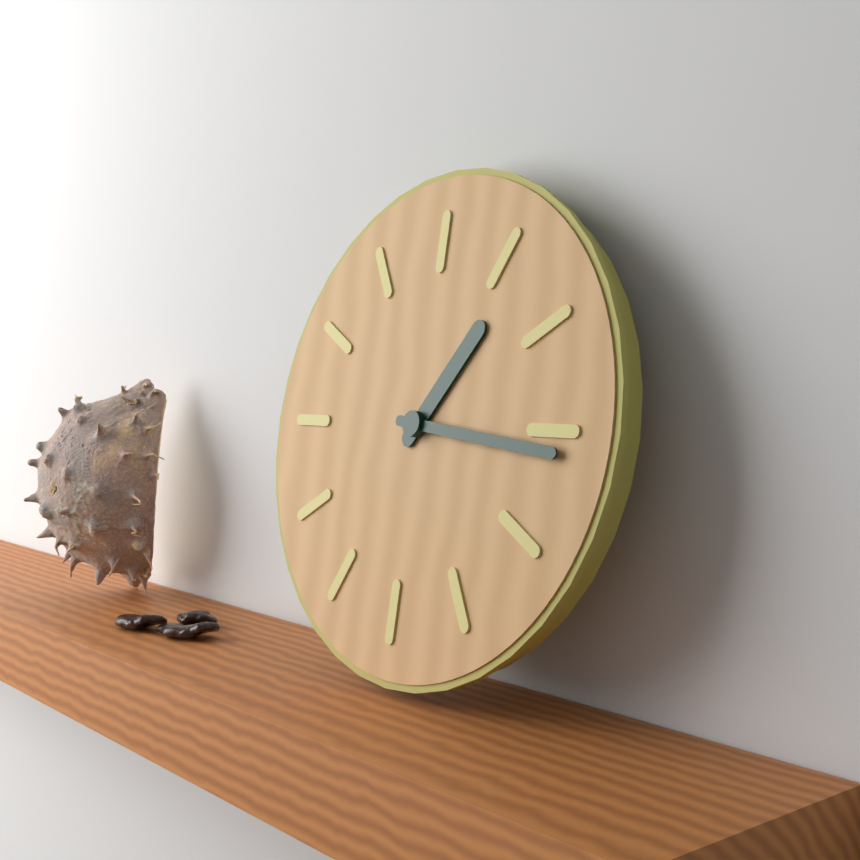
**1:16**
